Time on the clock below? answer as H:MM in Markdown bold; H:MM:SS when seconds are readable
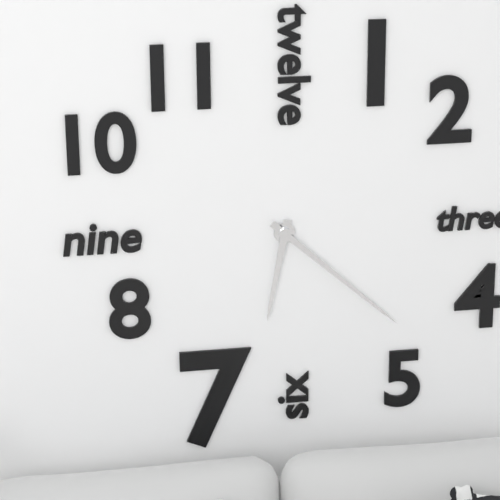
**6:22**
